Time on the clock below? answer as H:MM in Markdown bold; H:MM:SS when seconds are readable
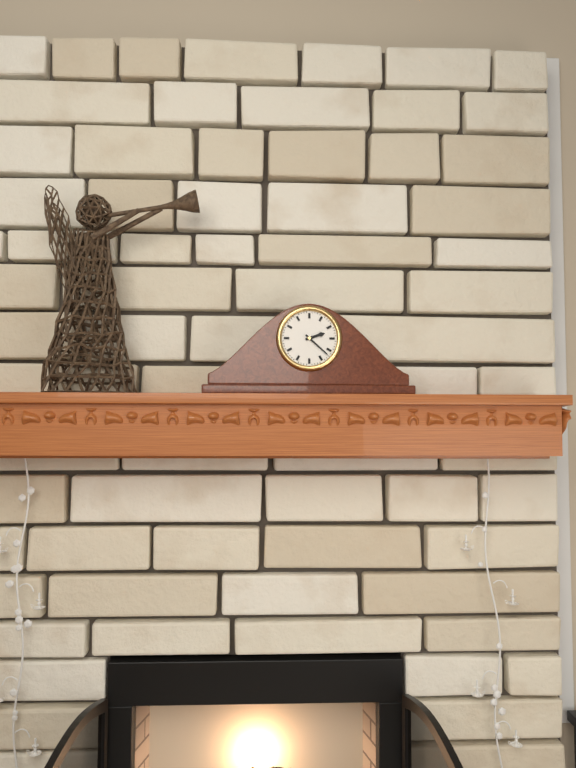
**2:22**
